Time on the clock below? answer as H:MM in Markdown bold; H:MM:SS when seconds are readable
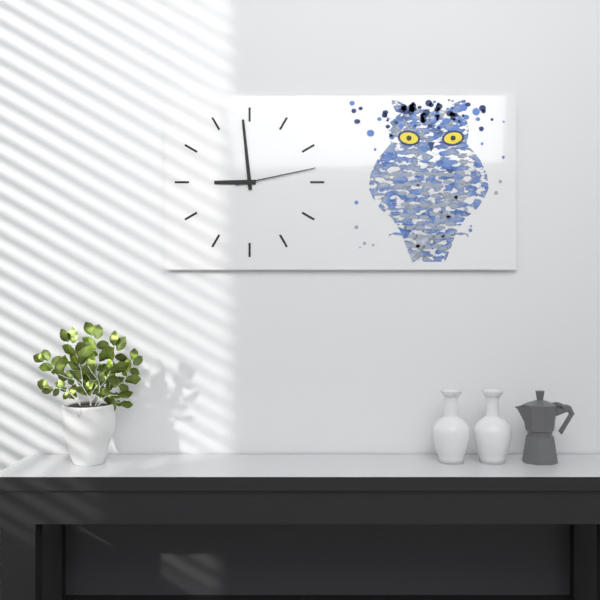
**8:59:13**
